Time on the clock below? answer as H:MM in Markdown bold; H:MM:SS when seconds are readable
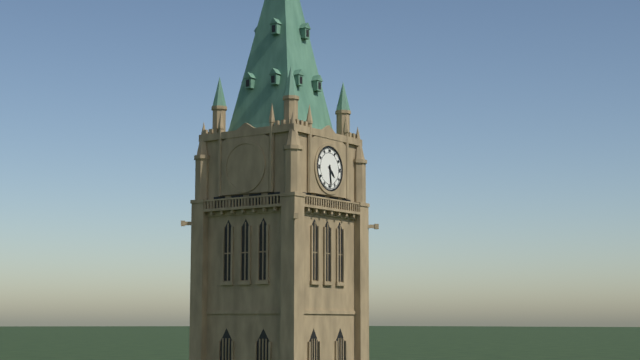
**4:29**
